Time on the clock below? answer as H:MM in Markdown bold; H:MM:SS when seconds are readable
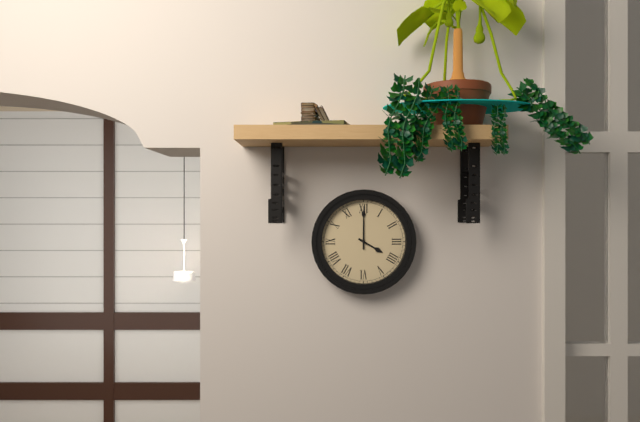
**4:00**
